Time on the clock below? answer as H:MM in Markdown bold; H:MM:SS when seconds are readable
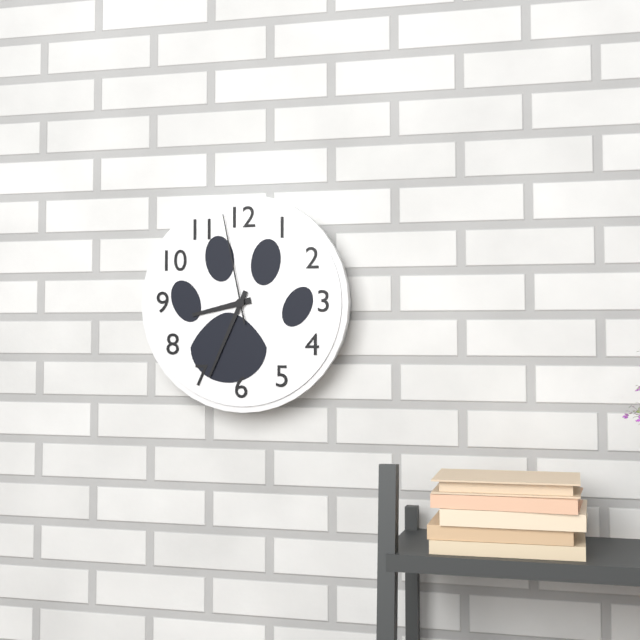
**8:34:58**
